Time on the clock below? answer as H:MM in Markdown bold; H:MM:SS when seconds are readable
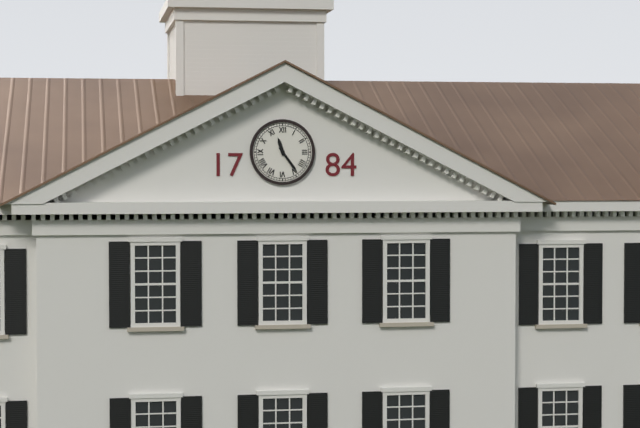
**11:24**
